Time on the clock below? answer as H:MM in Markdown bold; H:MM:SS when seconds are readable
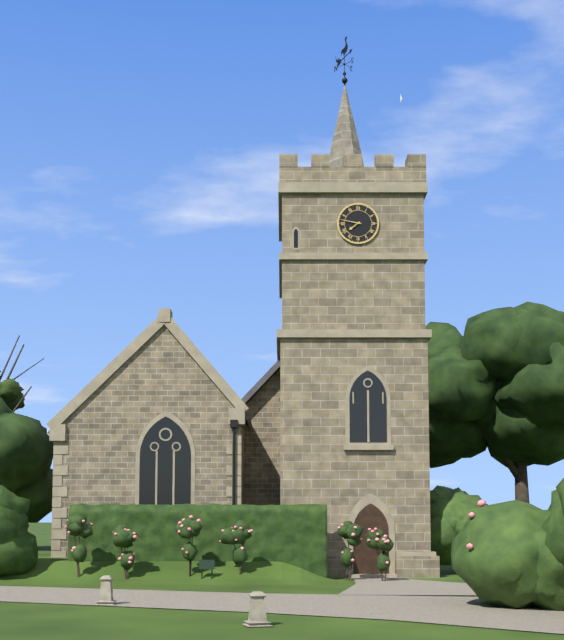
**7:47**
